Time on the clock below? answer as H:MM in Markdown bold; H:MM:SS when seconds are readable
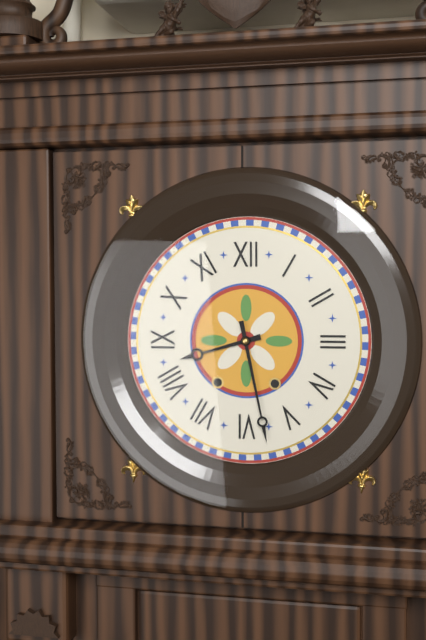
**8:28**
